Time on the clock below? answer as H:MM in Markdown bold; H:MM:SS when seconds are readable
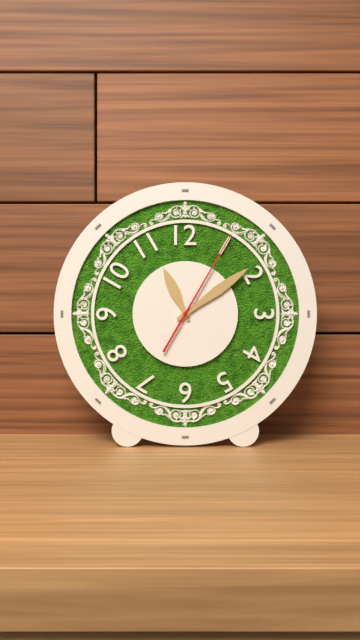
**11:09:05**
